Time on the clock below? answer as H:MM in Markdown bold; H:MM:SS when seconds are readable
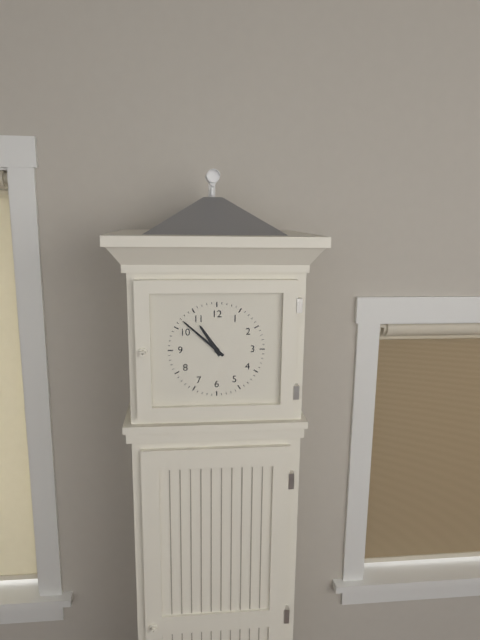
**10:52**
